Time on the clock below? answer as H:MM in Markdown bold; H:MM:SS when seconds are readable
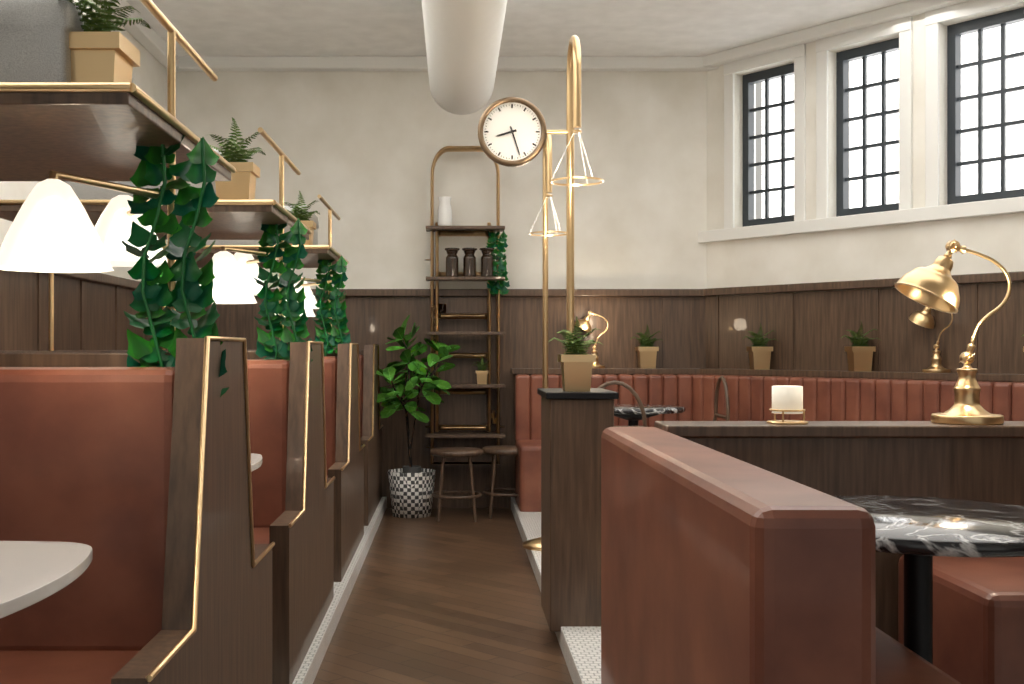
**8:27**
